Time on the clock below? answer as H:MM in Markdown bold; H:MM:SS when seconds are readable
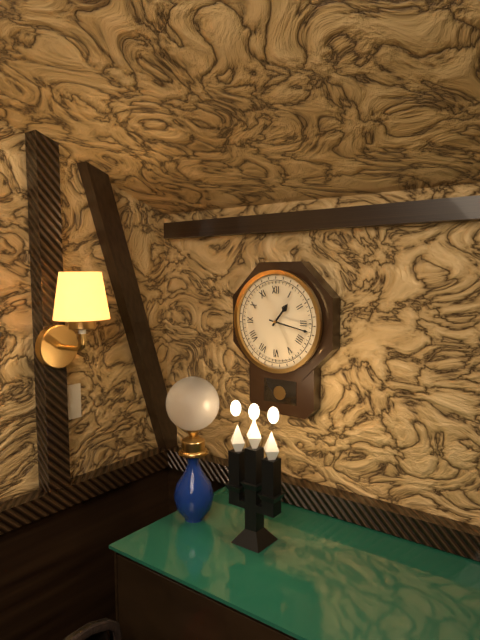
**1:17**
